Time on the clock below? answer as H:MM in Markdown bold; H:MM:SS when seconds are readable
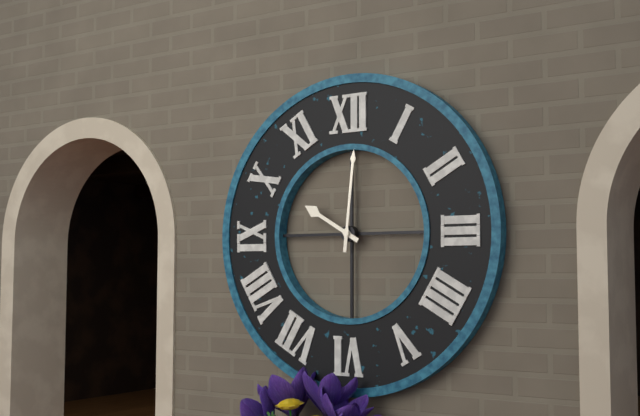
**10:01**
